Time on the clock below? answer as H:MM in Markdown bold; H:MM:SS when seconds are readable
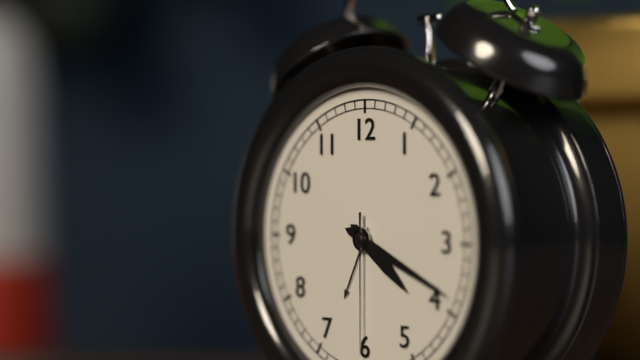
**4:19:30**
